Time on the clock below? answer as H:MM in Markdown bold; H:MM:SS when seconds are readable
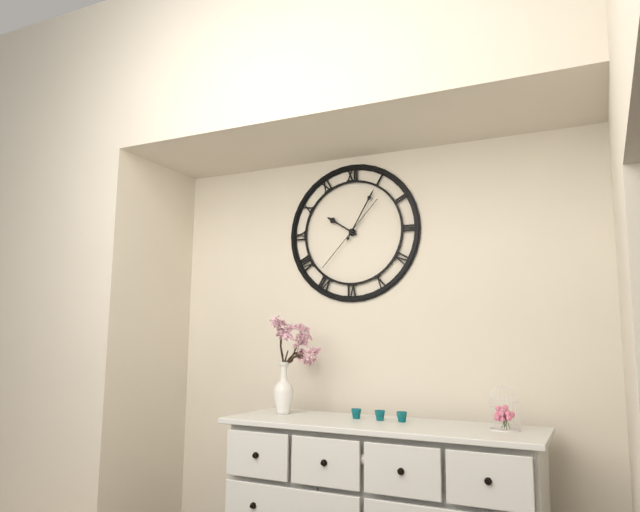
**10:05:37**
